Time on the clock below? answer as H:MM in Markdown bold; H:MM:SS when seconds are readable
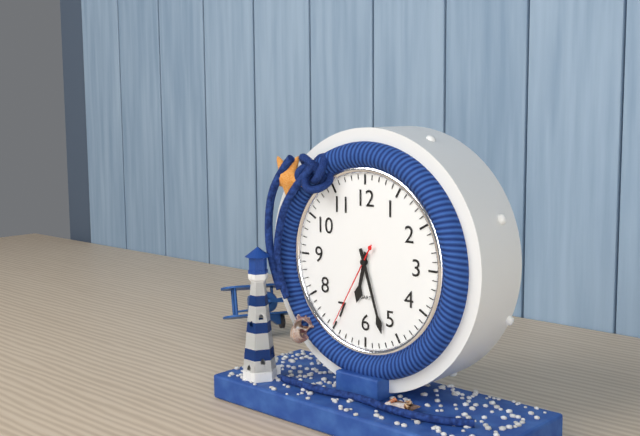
**6:27:35**
